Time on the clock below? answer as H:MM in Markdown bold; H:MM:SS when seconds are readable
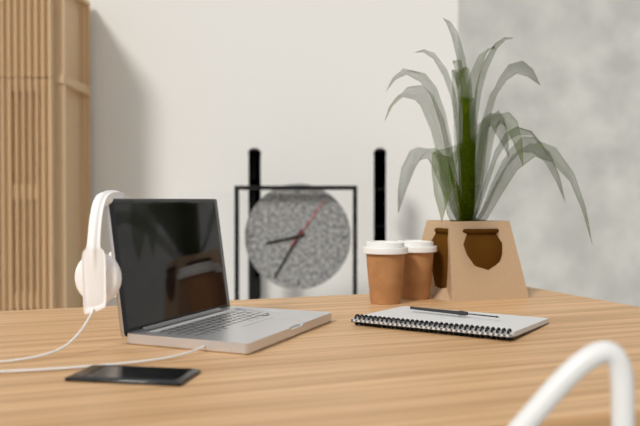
**8:35:06**
